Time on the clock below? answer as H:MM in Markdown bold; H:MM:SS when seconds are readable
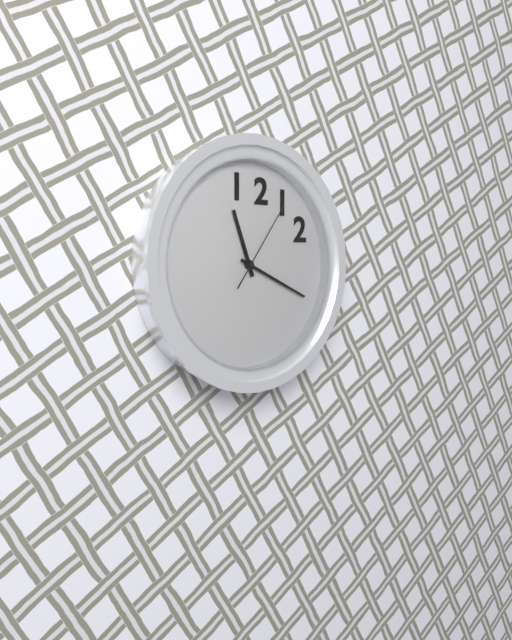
**11:19:06**
